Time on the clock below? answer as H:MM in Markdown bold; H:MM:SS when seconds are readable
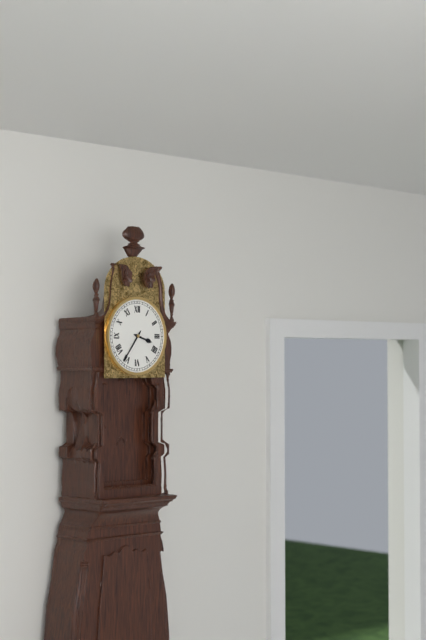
**3:36**
